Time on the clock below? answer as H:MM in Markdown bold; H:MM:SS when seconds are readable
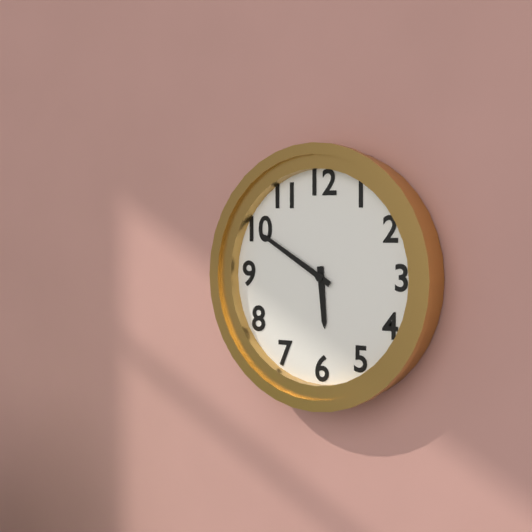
**5:50**
